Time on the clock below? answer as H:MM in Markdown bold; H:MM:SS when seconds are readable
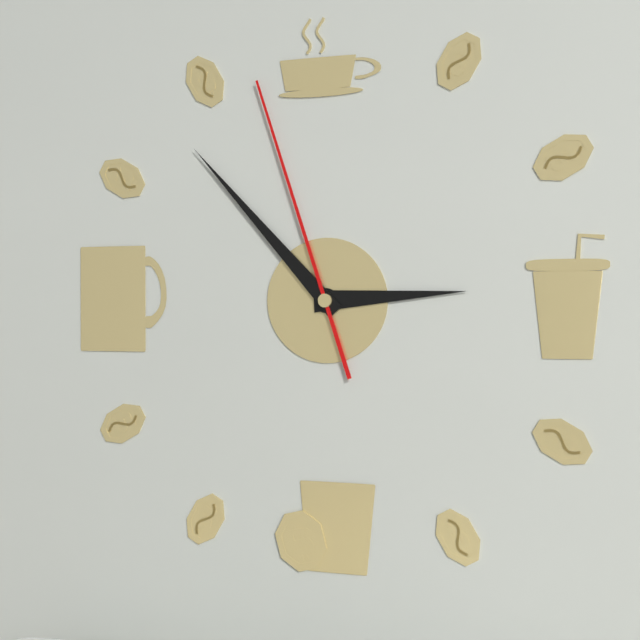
**2:53:57**
